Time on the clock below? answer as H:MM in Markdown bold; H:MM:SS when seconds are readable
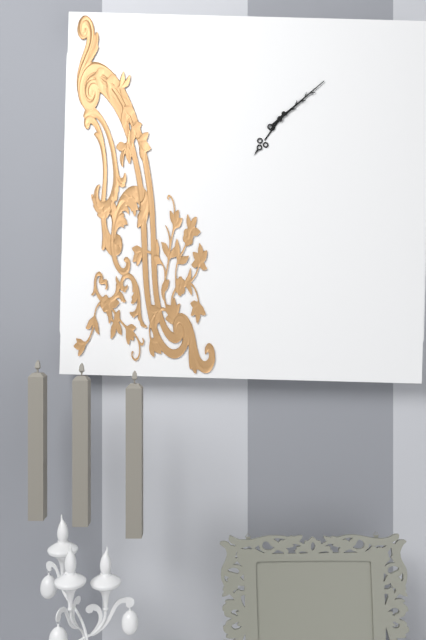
**7:08**
